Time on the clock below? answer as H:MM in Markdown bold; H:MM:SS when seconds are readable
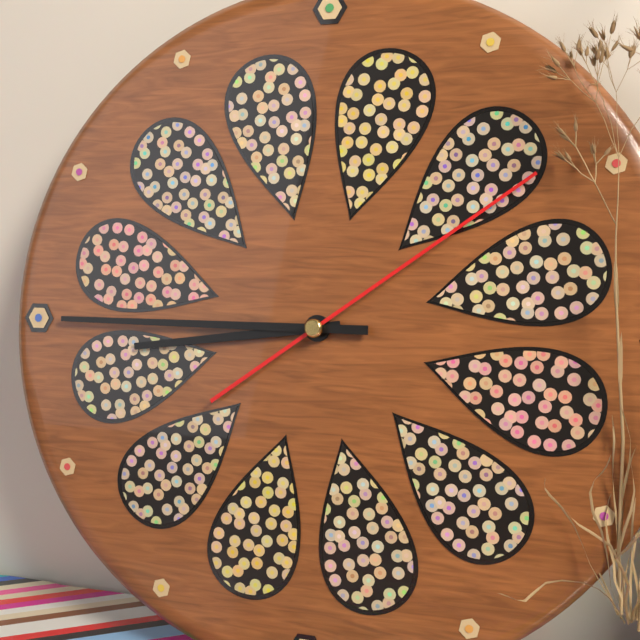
**8:45:09**
